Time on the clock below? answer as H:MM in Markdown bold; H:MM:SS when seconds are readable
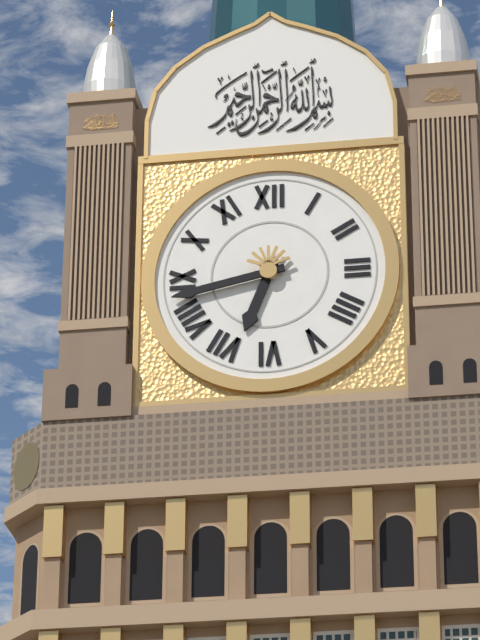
**6:43**
